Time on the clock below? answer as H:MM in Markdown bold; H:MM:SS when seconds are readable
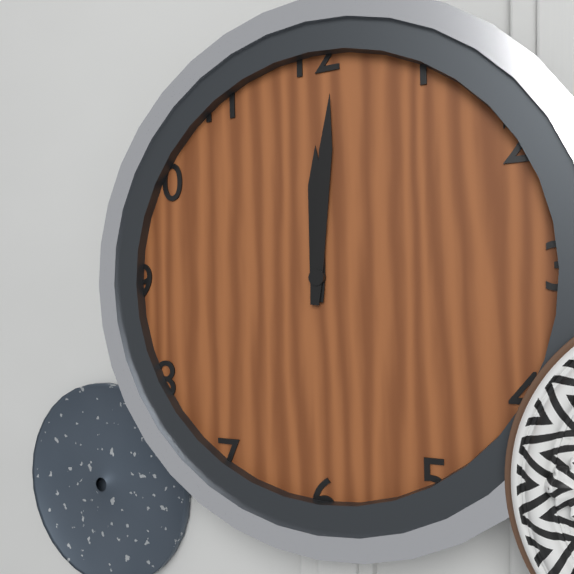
**12:01**
